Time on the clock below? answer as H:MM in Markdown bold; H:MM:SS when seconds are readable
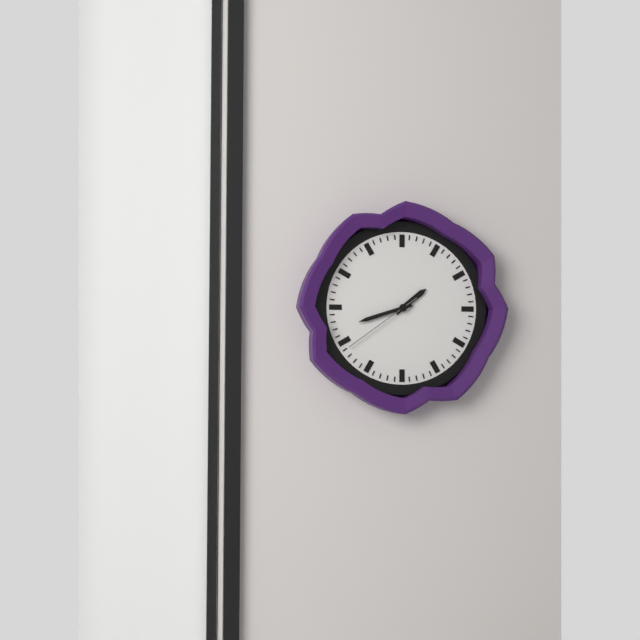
**1:42:39**
